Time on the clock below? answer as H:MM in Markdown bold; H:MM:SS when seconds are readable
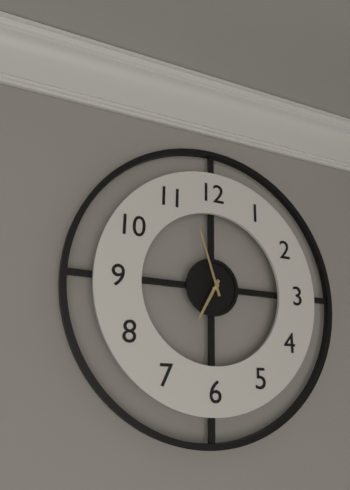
**6:57**
